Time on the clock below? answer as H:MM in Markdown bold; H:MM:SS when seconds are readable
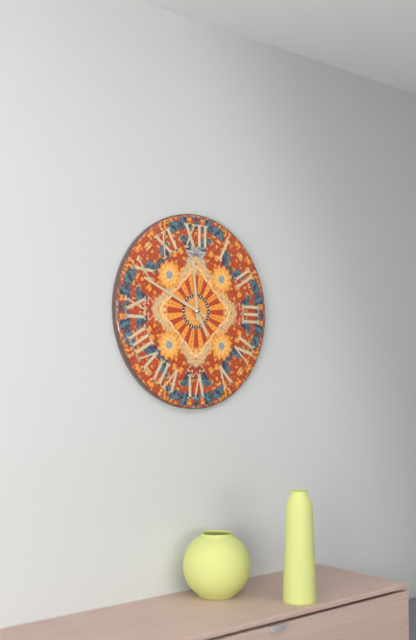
**4:59:49**
